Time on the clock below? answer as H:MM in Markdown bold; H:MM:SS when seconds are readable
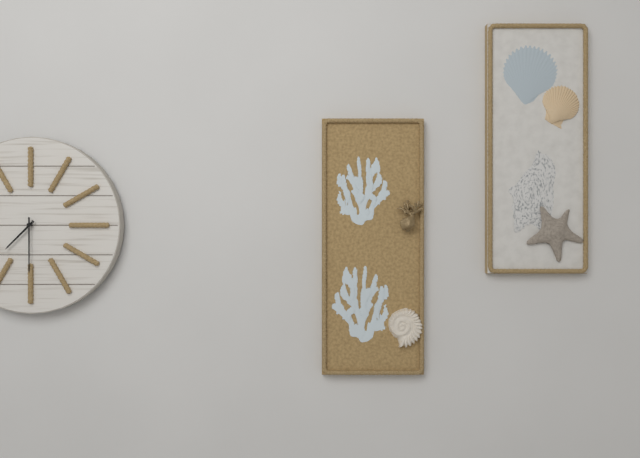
**7:30**
